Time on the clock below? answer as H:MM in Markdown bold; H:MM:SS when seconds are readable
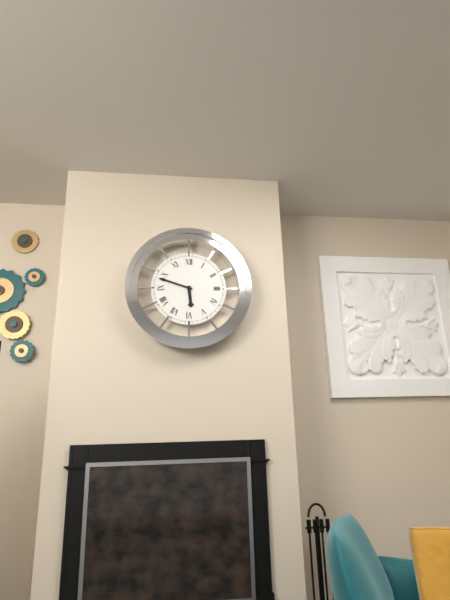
**5:48**
